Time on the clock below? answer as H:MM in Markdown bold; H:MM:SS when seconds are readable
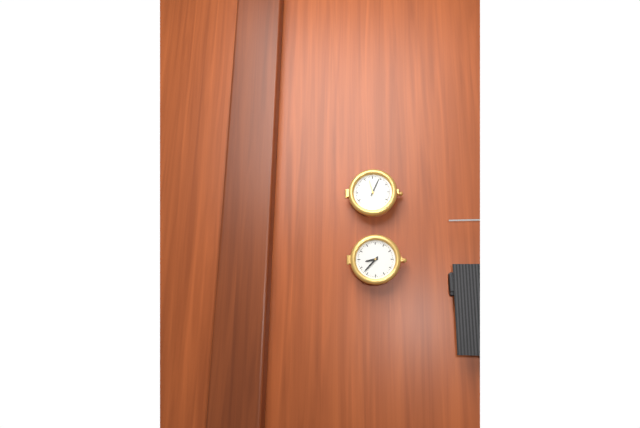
**8:37**
